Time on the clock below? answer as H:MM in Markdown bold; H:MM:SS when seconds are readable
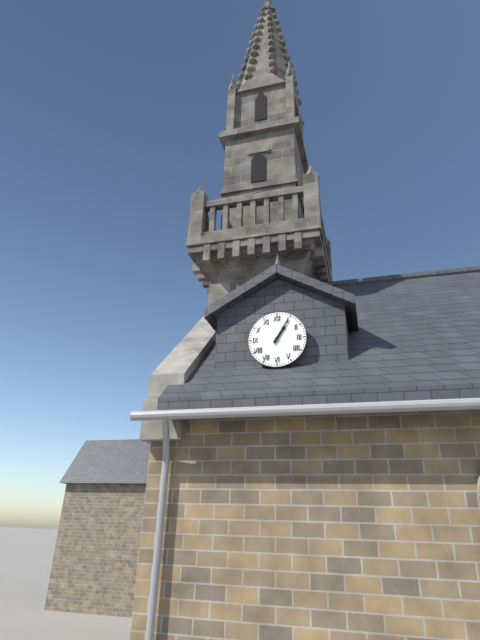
**1:05**
